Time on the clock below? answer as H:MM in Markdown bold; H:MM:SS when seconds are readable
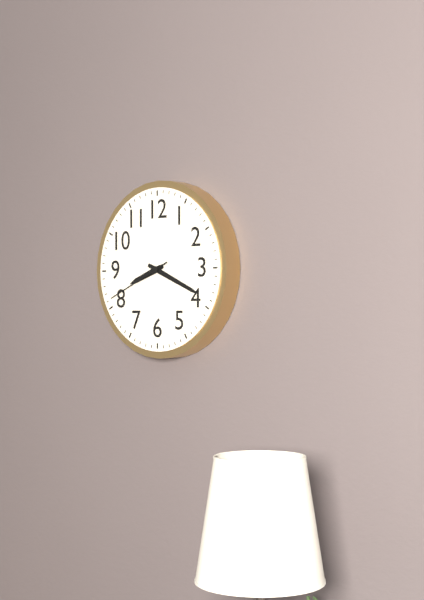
**8:19:41**
